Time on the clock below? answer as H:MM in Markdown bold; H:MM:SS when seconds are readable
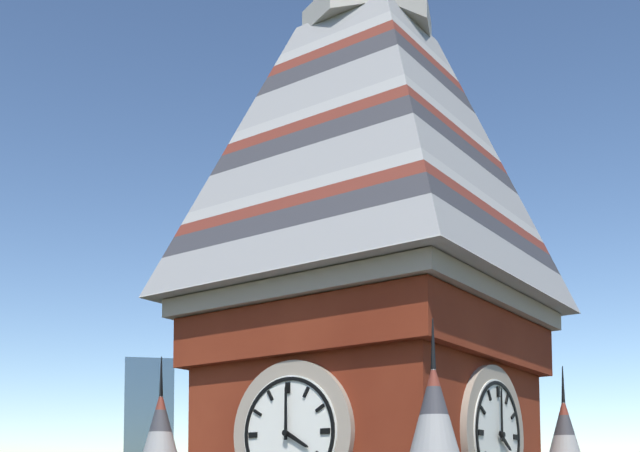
**4:00**
